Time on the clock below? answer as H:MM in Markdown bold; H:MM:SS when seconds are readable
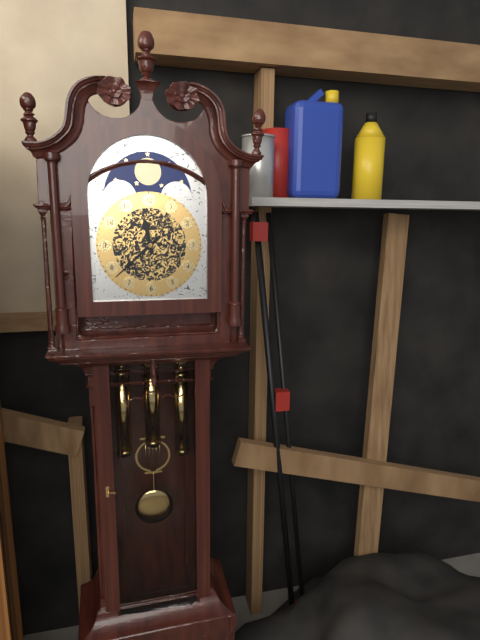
**11:38**
